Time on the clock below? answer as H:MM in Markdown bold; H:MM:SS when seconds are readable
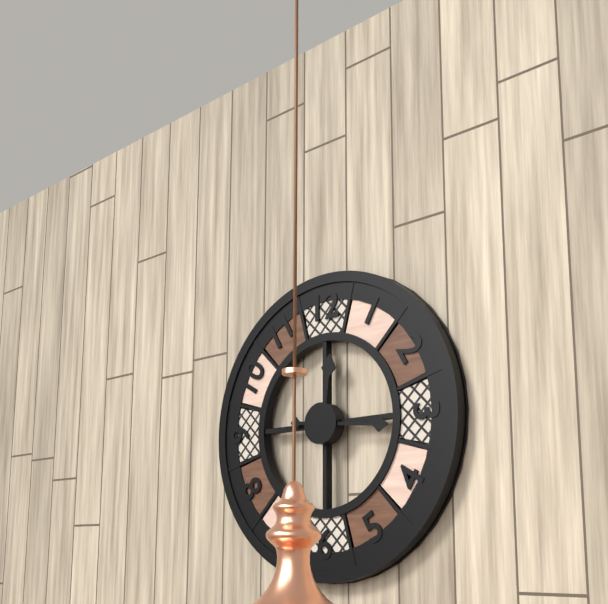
**12:16**
